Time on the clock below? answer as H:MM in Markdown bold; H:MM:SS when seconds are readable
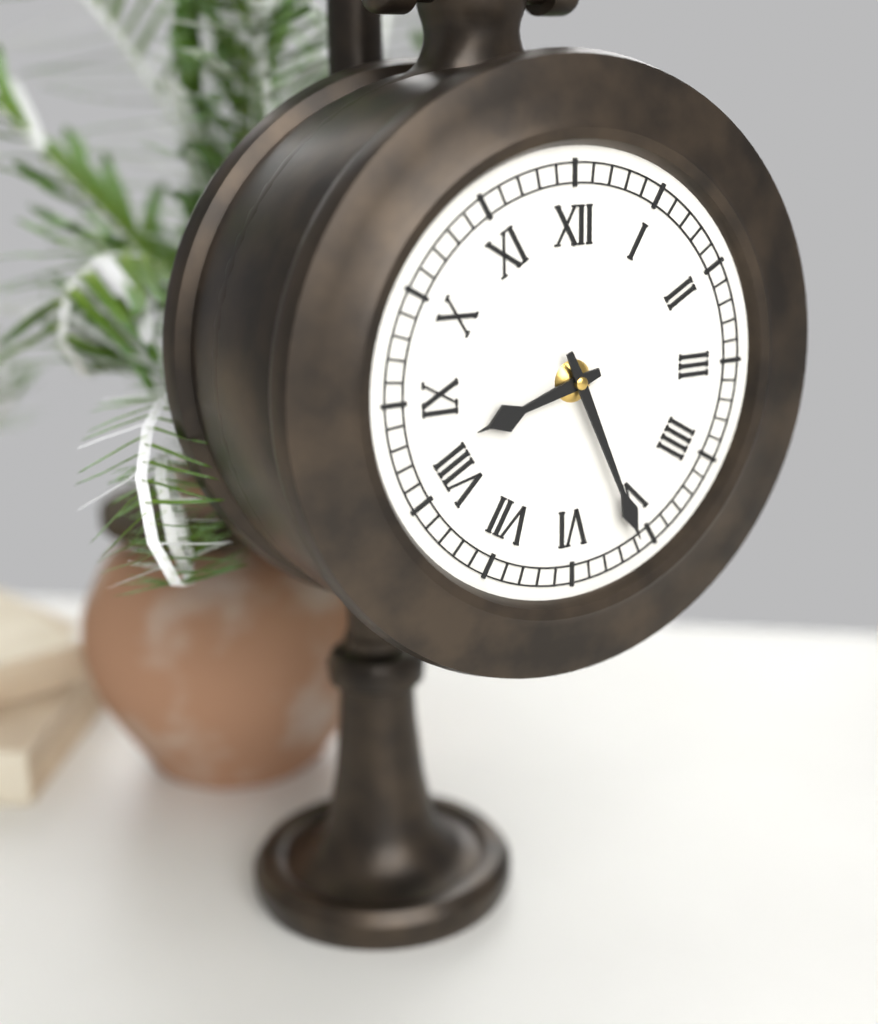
**8:26**
